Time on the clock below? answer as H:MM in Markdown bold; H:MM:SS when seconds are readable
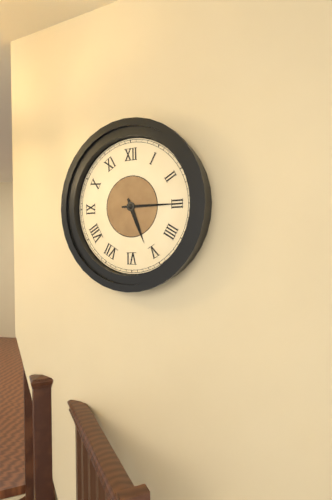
**5:15**
